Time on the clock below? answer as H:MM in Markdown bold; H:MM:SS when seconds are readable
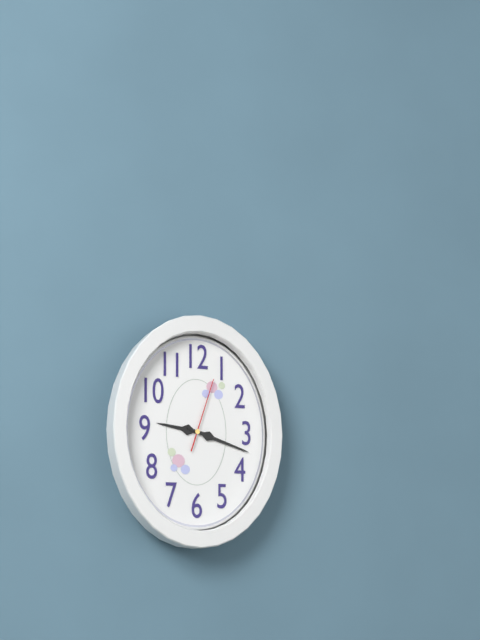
**9:18:03**
